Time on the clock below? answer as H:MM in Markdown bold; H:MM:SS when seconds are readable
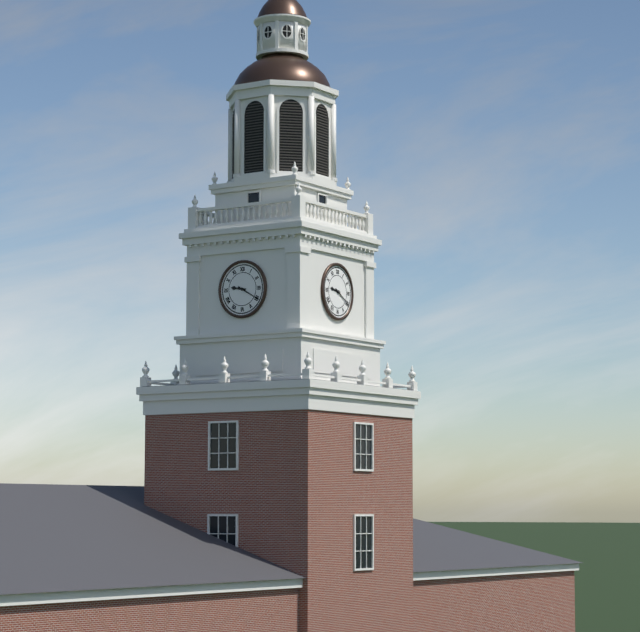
**9:20**
